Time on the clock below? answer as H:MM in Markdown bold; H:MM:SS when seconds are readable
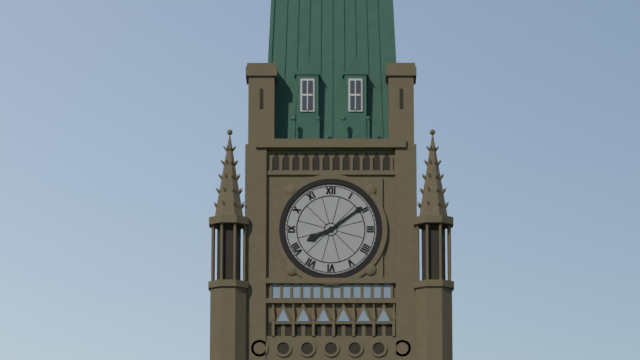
**8:09**
